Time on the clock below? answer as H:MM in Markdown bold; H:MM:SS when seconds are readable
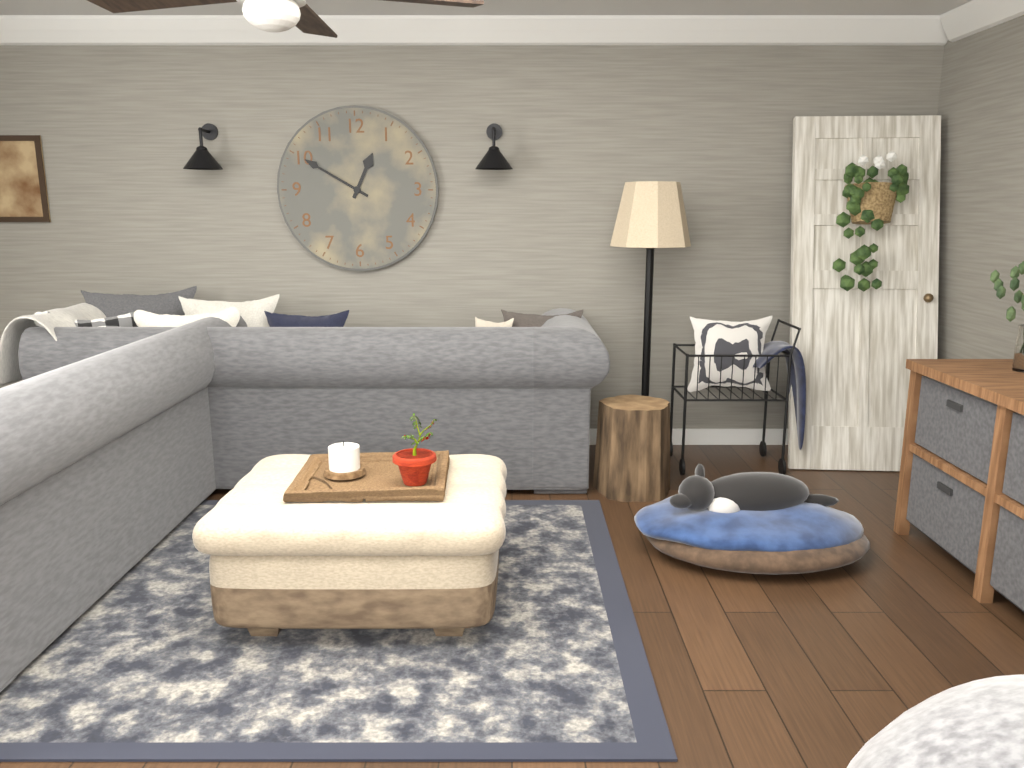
**12:50**
